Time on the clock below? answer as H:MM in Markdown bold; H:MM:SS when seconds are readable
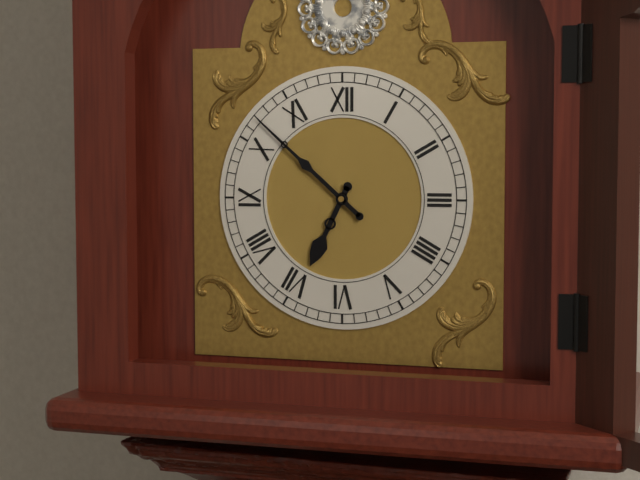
**6:52**
